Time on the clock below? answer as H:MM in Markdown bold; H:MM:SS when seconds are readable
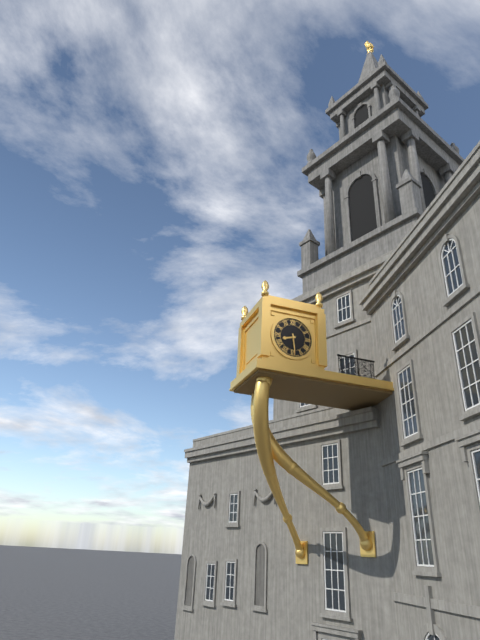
**8:29**
